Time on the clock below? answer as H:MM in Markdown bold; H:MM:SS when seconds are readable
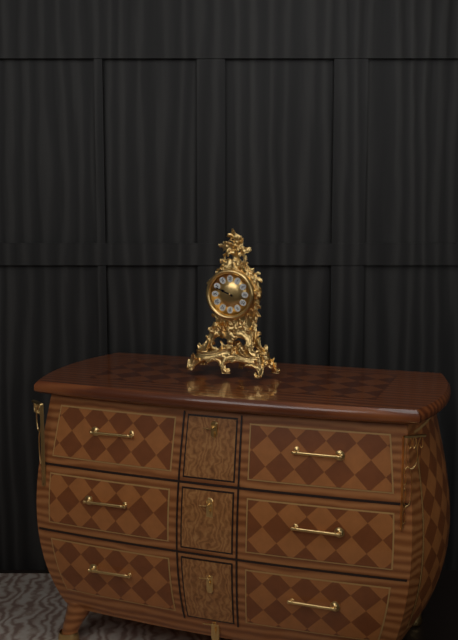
**9:49**
